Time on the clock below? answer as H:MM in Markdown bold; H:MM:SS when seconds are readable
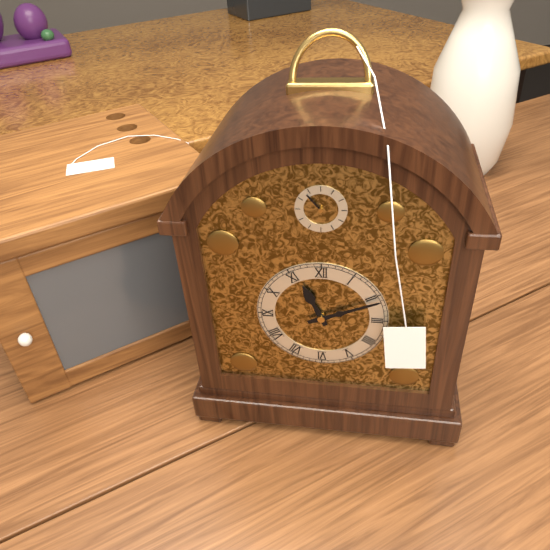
**11:11**
